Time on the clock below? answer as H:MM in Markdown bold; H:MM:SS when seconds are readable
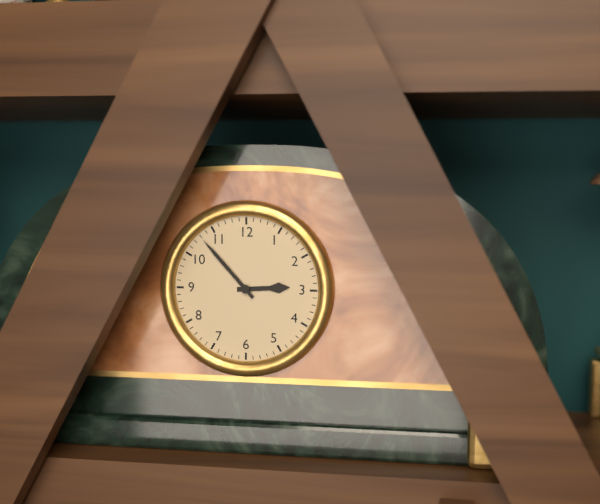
**2:53**
